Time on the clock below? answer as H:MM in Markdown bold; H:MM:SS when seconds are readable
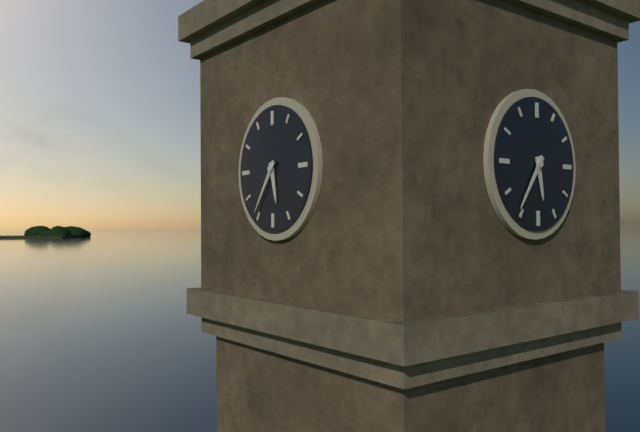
**5:36**
